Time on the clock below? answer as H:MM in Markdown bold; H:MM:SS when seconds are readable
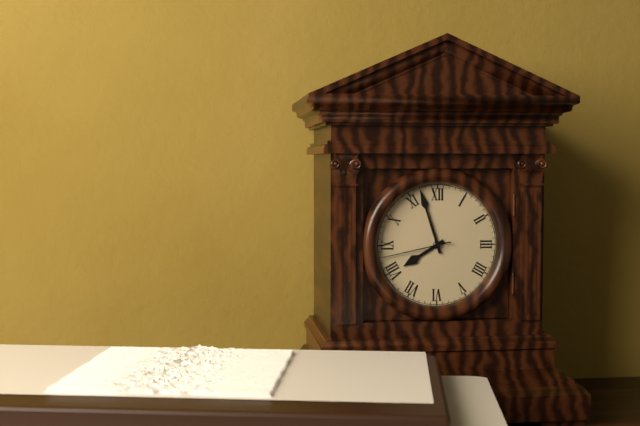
**7:57:43**
